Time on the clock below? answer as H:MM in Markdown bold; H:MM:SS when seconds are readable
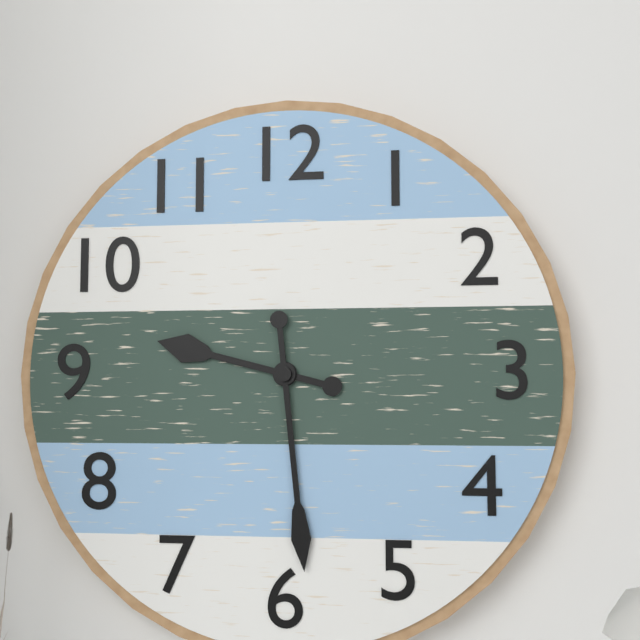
**9:29**
